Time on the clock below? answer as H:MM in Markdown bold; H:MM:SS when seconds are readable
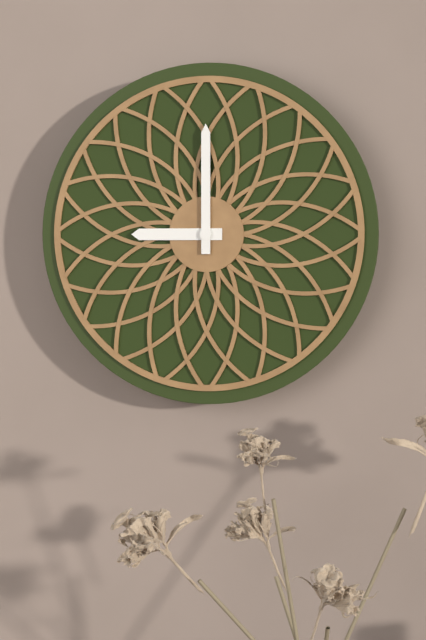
**9:00**
